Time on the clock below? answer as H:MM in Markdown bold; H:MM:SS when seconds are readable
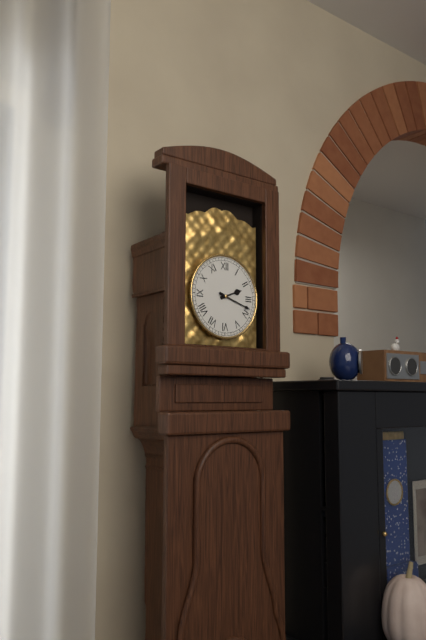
**2:18**
